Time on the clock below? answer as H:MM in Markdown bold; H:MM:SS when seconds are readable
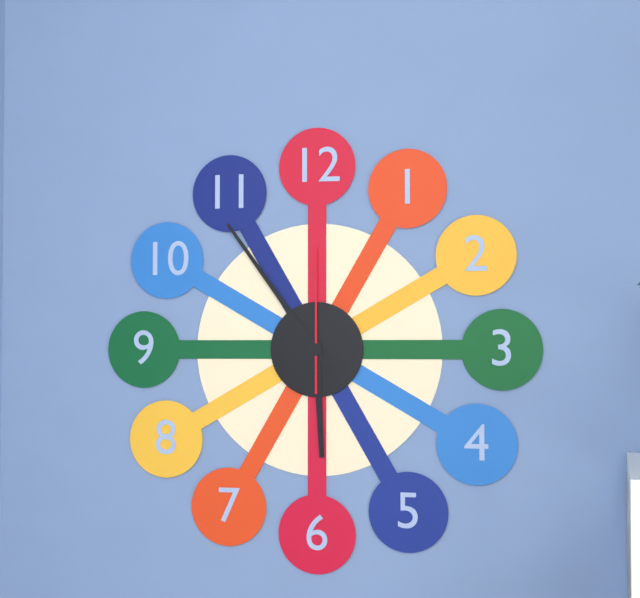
**5:54:00**
